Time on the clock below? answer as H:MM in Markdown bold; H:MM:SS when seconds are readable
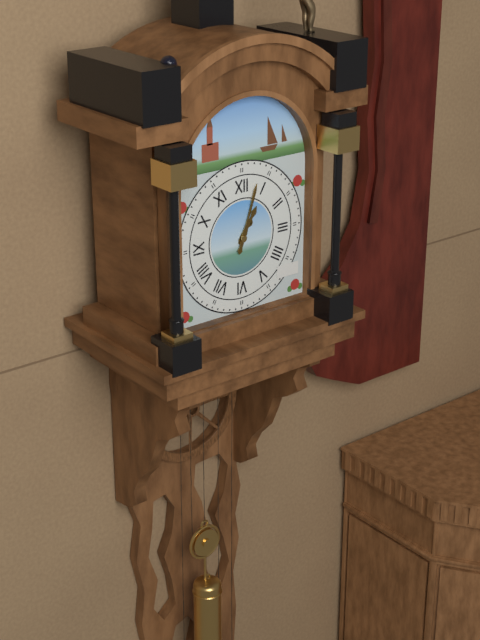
**1:03**
